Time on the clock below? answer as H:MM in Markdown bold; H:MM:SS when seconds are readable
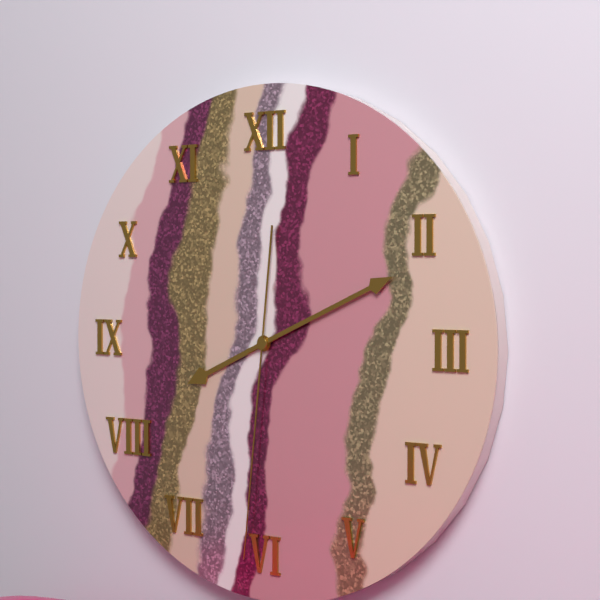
**8:11:31**
